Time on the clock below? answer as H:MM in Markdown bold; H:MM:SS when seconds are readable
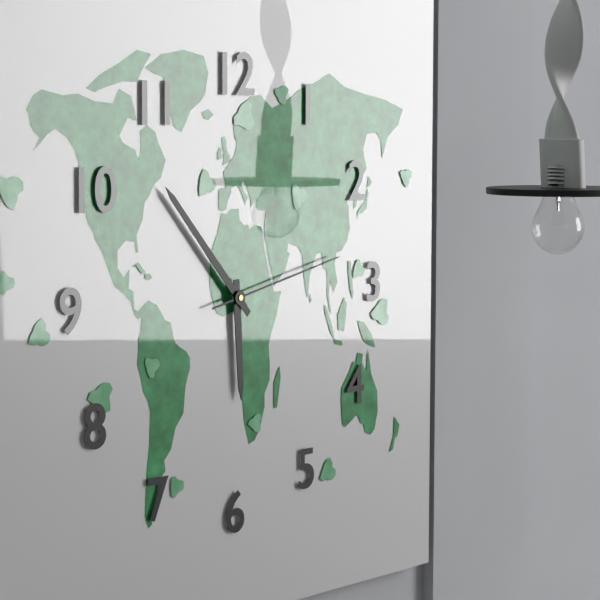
**5:53:13**
